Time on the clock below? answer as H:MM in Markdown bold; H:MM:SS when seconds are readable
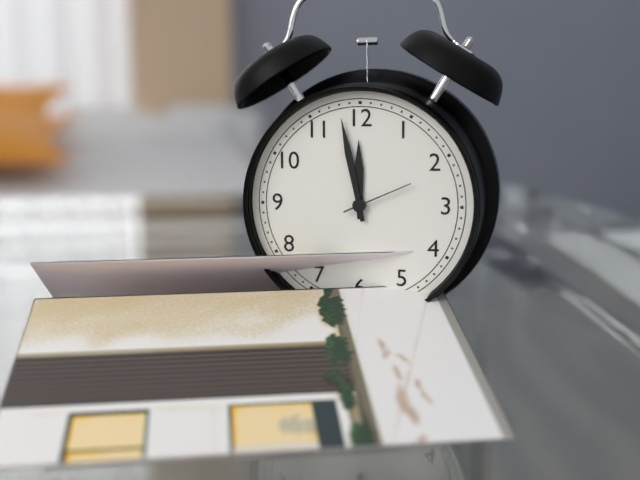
**11:58:11**
